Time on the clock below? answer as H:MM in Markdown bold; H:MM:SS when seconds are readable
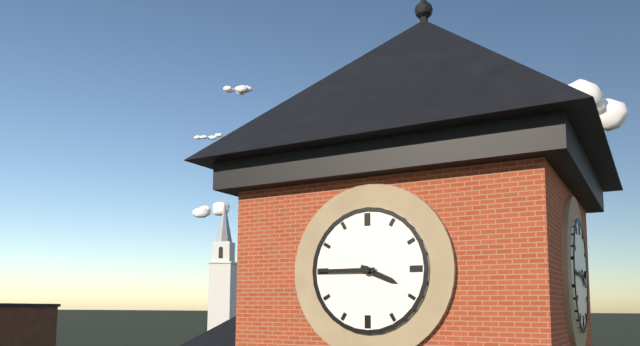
**3:45**
